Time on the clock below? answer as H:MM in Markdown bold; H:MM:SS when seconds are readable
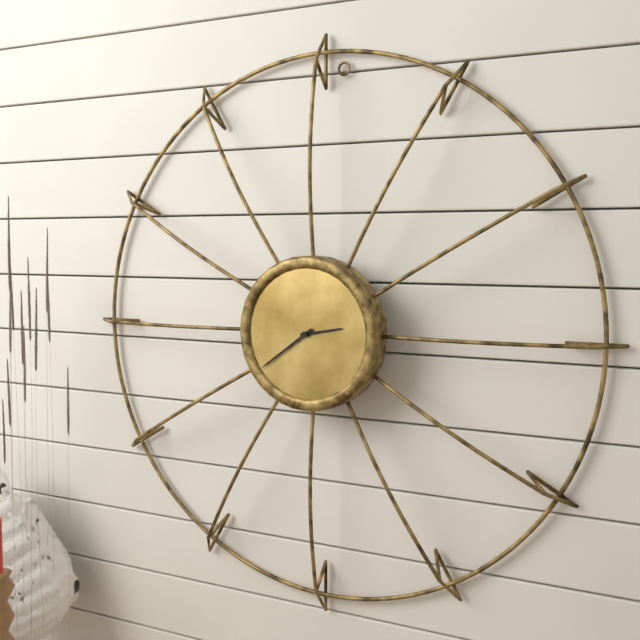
**2:39**
